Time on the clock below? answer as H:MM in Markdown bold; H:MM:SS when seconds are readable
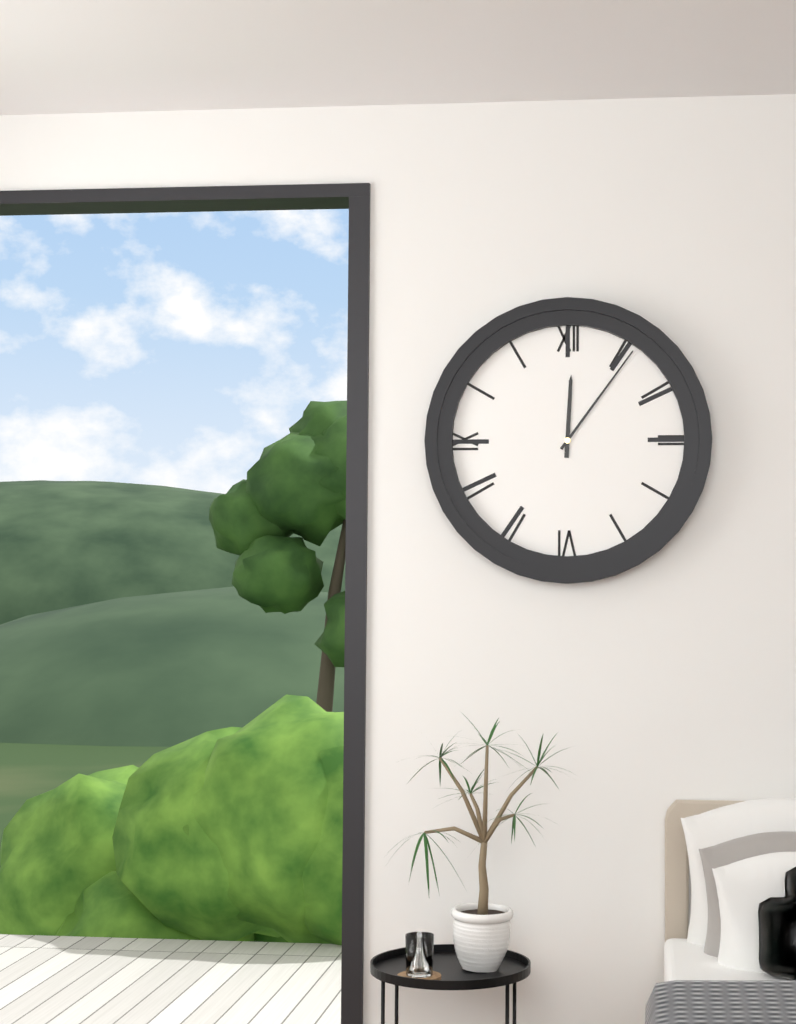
**12:06**
